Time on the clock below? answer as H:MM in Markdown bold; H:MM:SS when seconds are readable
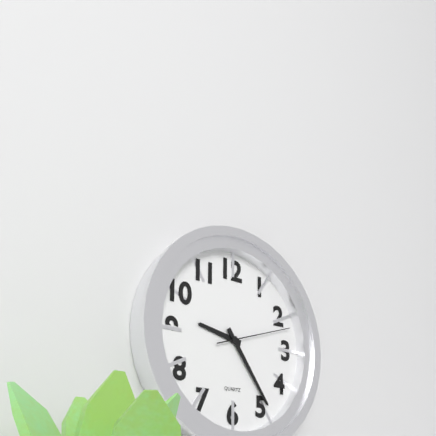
**9:24:12**
